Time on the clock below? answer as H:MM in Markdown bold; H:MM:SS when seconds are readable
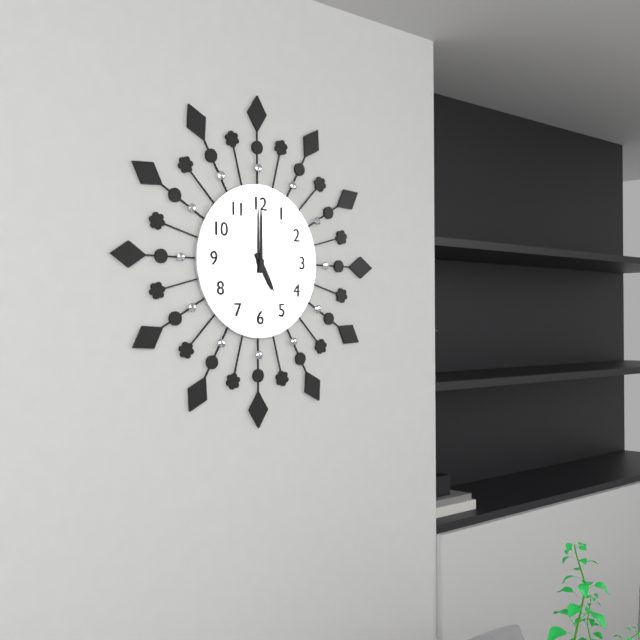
**5:00**
